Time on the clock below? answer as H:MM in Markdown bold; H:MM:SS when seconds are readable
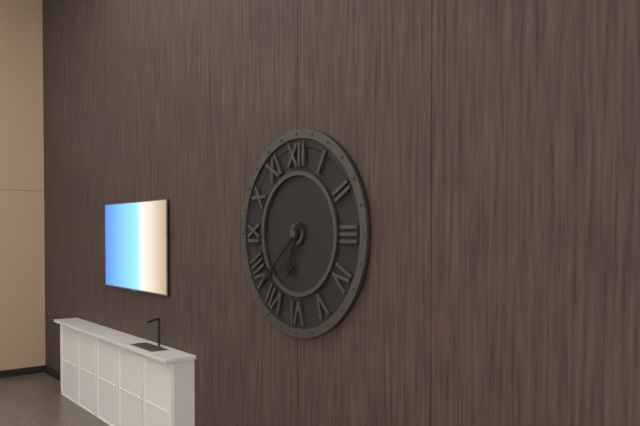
**6:38**
